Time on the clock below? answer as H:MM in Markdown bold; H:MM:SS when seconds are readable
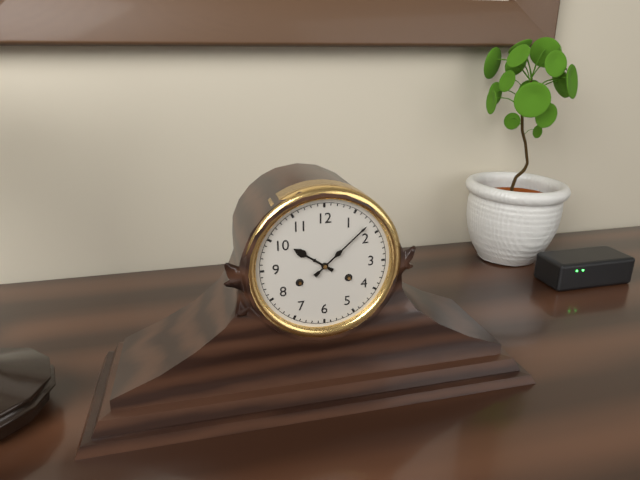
**10:08**
